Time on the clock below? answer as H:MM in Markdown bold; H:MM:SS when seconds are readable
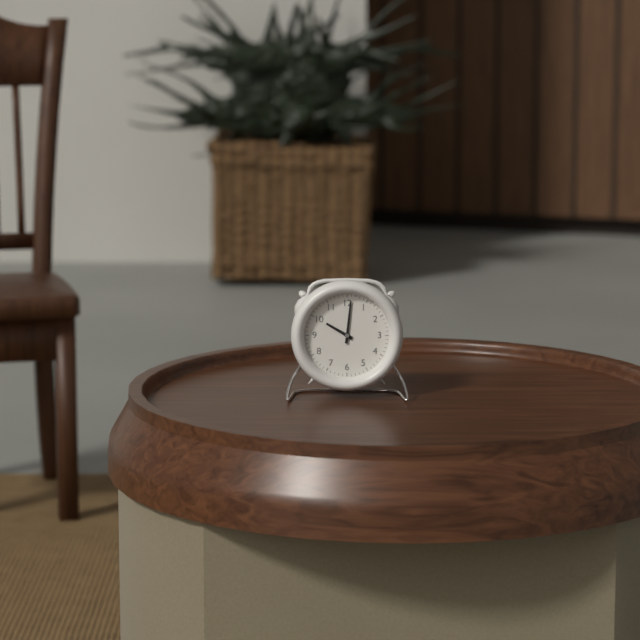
**10:01**
